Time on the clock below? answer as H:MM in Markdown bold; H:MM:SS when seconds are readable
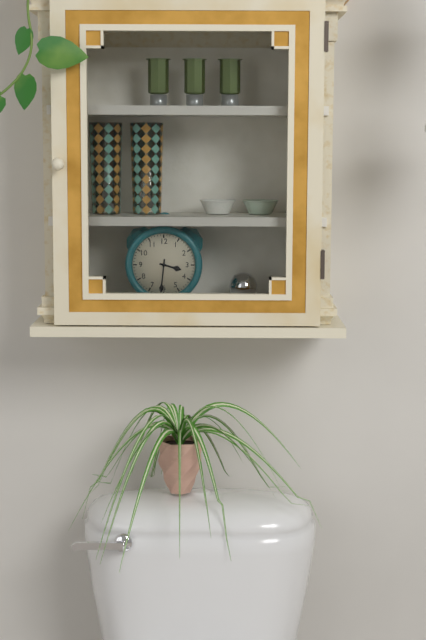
**3:31**
